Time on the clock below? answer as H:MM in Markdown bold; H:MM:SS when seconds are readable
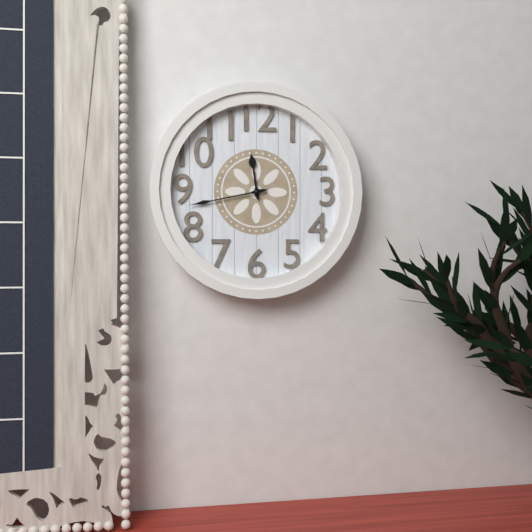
**11:43**
